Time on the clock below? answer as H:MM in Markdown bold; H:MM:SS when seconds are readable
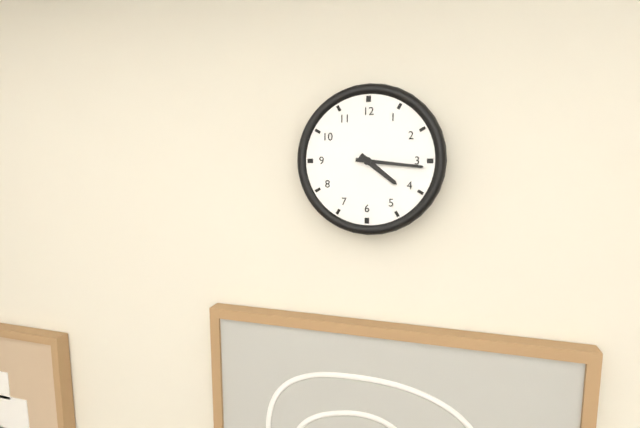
**4:16**
